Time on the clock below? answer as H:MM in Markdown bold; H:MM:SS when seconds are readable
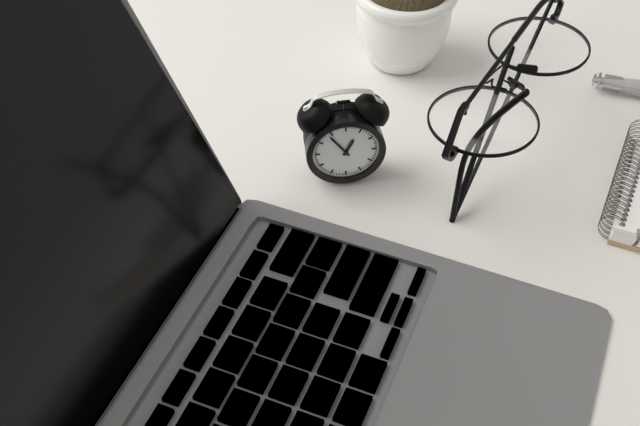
**12:54**
